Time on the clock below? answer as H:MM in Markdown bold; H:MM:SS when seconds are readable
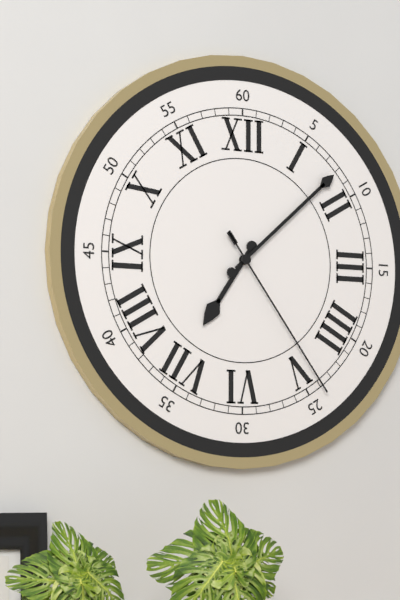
**7:08:24**
